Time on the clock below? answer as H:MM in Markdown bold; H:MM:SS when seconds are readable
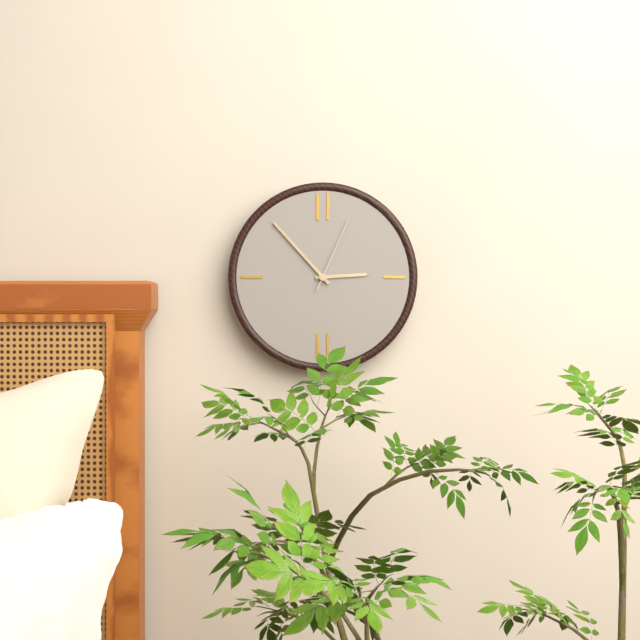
**2:53:04**
